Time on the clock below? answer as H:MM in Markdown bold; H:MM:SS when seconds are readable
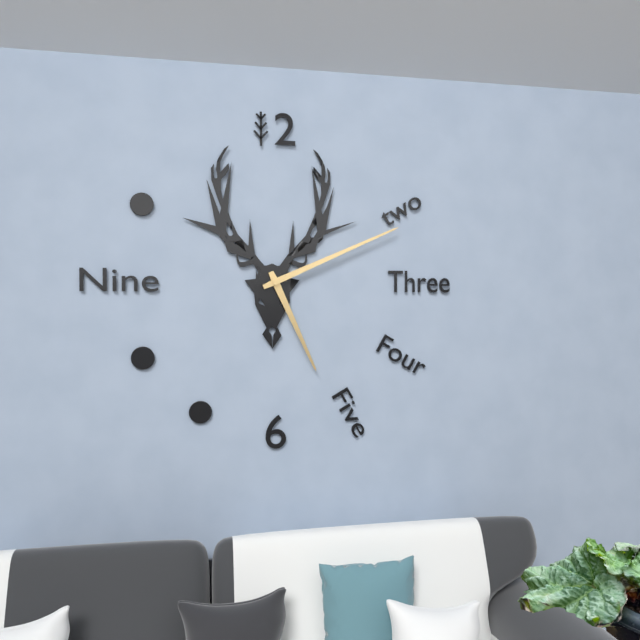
**5:11**
